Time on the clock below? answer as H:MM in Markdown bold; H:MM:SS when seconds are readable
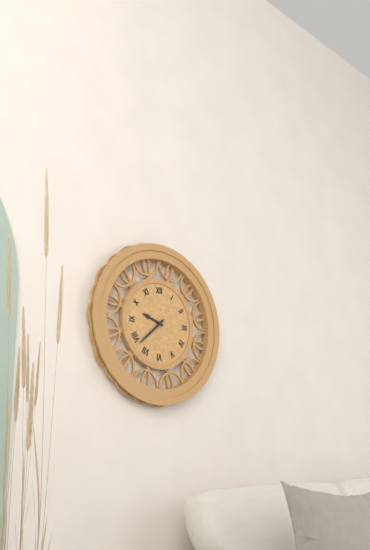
**9:38**
